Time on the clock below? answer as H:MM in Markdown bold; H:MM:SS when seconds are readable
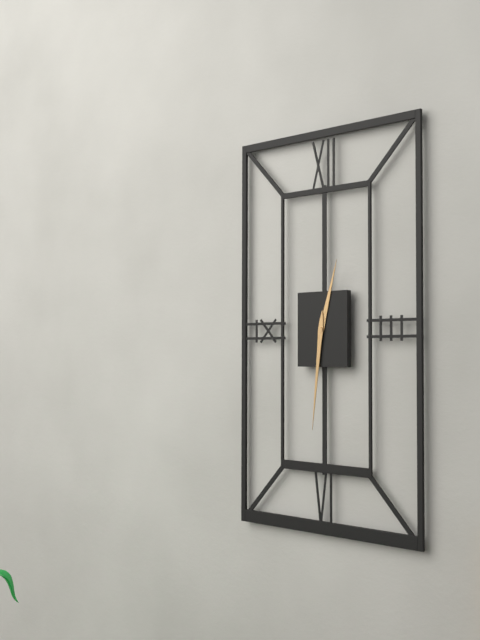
**12:31**
